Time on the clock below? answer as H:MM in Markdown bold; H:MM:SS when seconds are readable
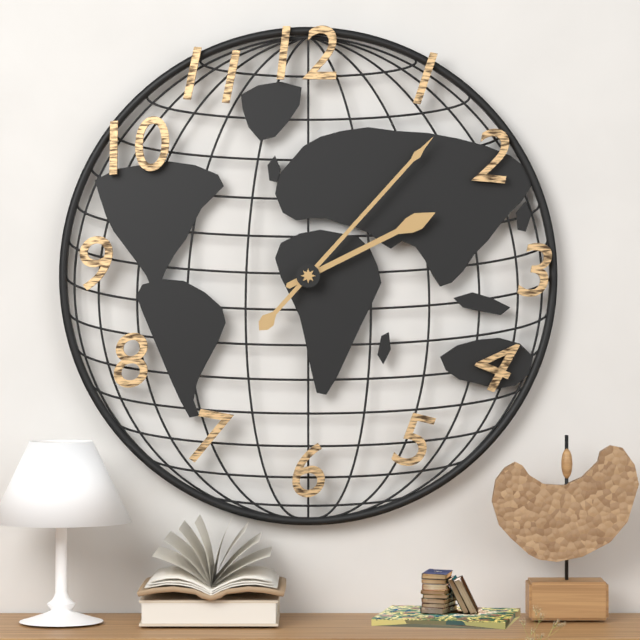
**2:07**
